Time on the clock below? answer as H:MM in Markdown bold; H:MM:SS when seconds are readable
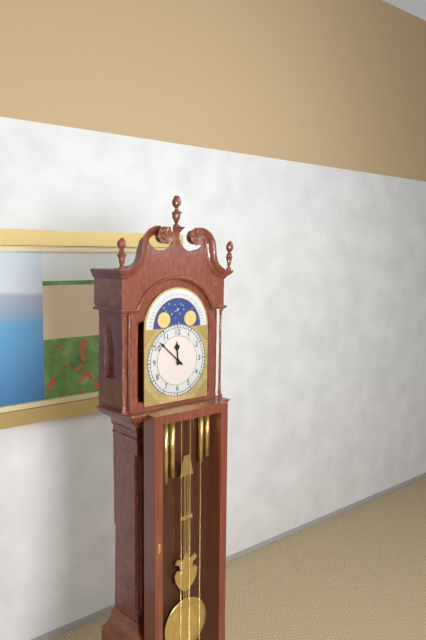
**11:52**
